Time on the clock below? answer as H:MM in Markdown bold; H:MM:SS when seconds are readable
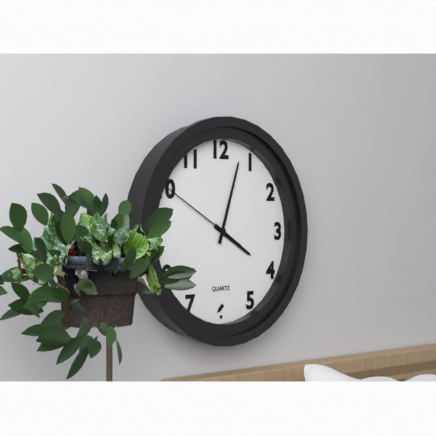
**4:03:50**
